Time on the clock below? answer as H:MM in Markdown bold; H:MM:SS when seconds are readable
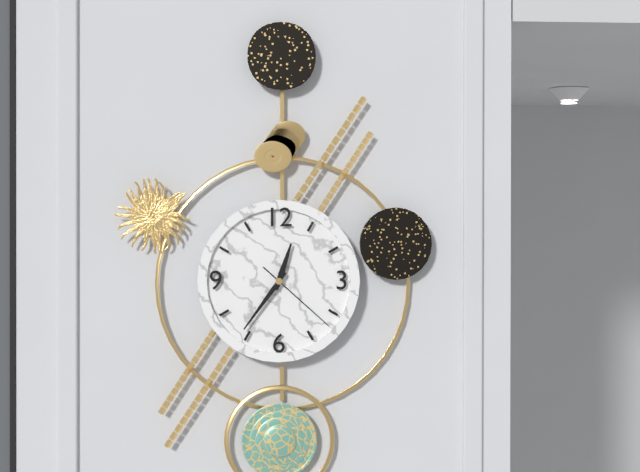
**12:36:22**
